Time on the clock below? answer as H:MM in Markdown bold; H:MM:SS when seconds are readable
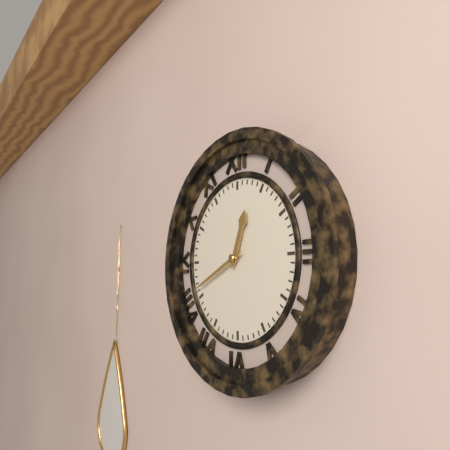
**12:41**
